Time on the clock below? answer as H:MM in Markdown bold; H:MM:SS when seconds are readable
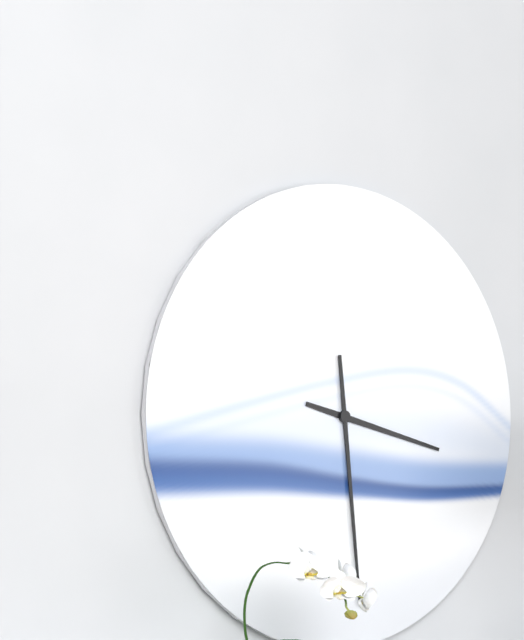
**3:29**
